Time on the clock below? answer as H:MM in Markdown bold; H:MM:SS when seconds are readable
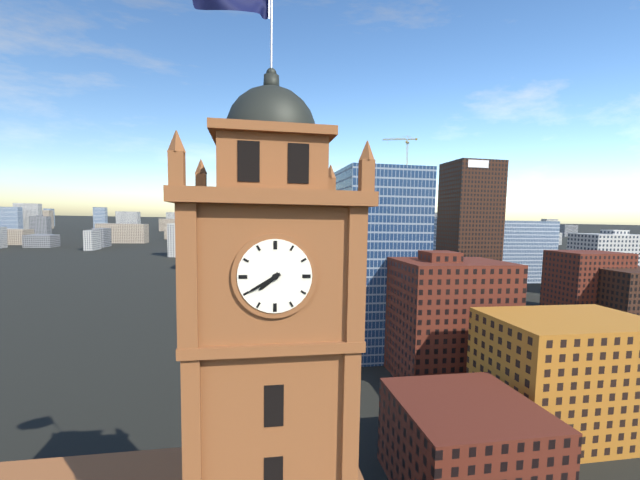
**7:40**
